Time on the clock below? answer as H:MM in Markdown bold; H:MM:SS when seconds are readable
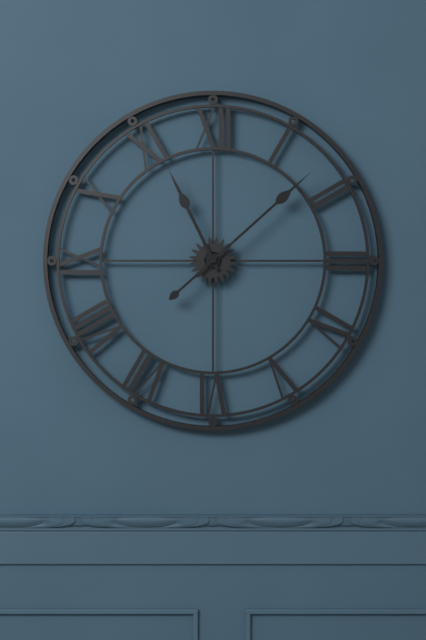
**11:08**
